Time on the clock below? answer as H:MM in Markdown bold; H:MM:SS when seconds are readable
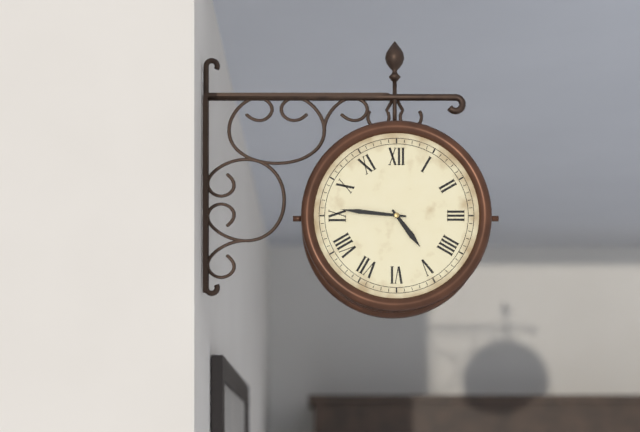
**4:46**
